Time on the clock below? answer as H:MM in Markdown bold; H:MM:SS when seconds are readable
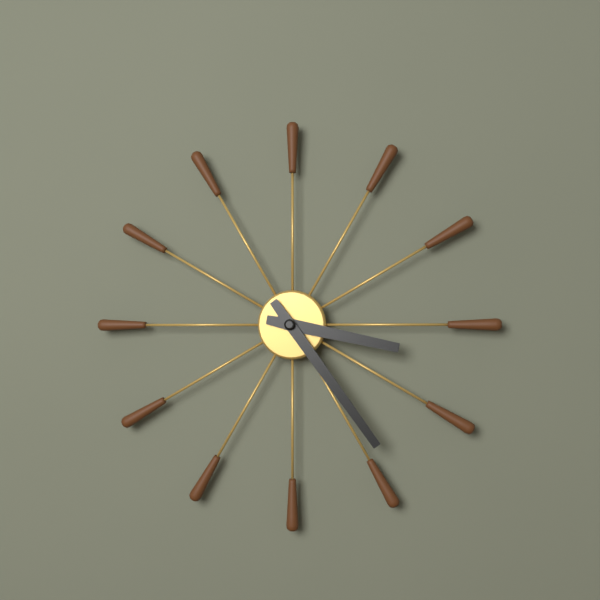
**3:24**
